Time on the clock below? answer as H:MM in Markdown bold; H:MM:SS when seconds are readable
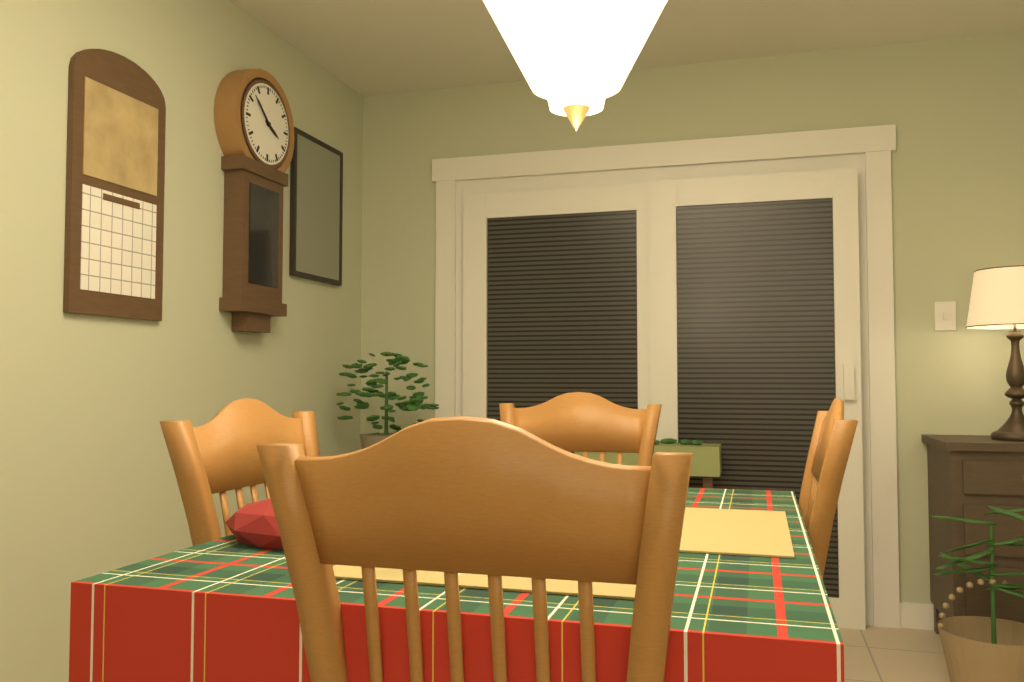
**3:52**
